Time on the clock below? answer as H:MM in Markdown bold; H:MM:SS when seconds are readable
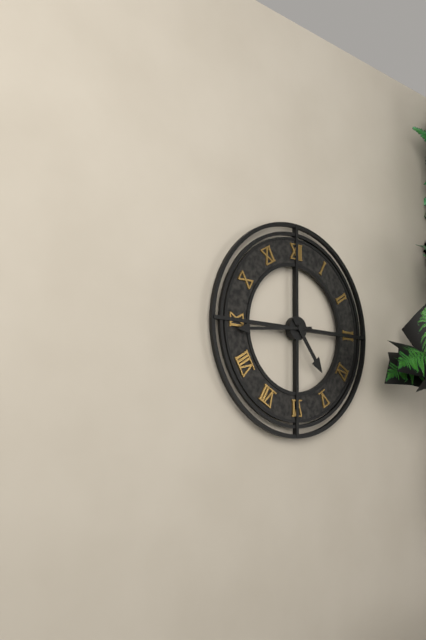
**4:44**
